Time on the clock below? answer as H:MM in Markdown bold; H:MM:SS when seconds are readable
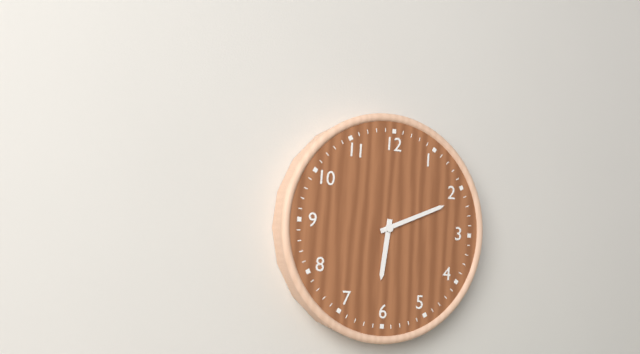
**6:11**
